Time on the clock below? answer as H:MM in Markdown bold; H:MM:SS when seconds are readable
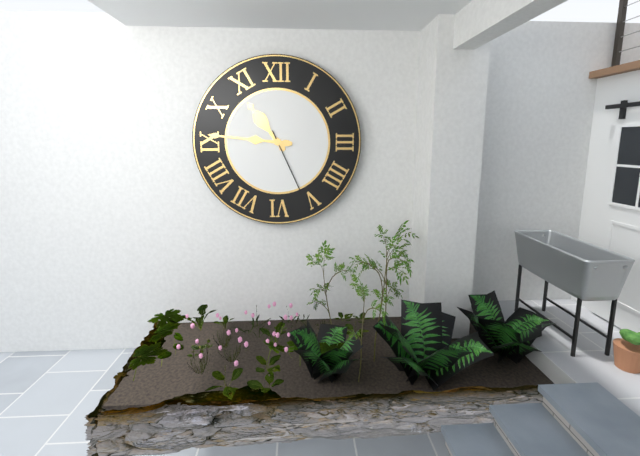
**10:46:26**
